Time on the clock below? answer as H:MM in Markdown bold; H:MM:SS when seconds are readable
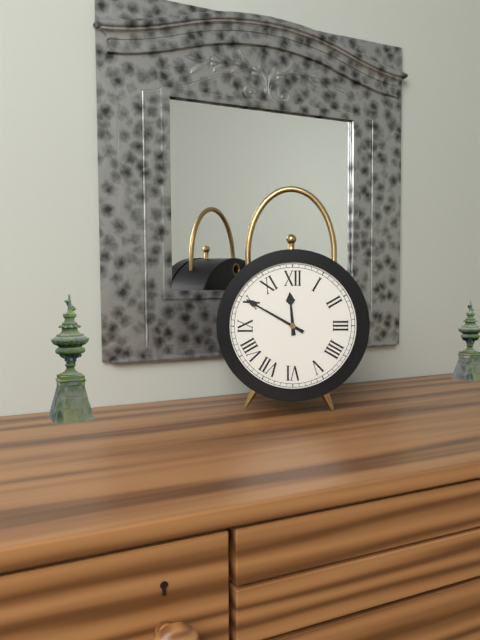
**11:50**
